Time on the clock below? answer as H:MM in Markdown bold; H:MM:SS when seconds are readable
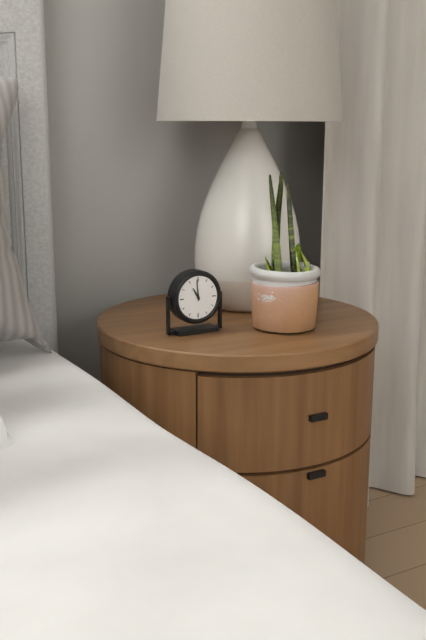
**10:59**
